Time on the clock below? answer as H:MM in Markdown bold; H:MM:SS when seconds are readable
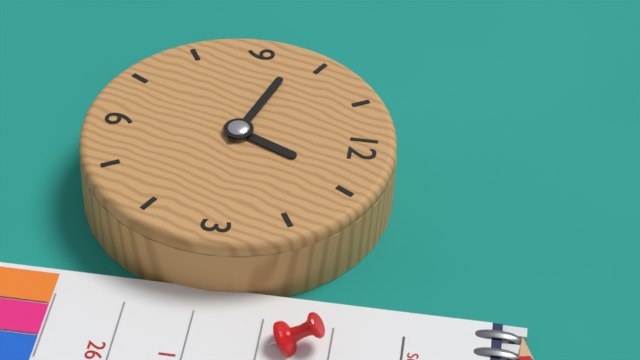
**12:48**
